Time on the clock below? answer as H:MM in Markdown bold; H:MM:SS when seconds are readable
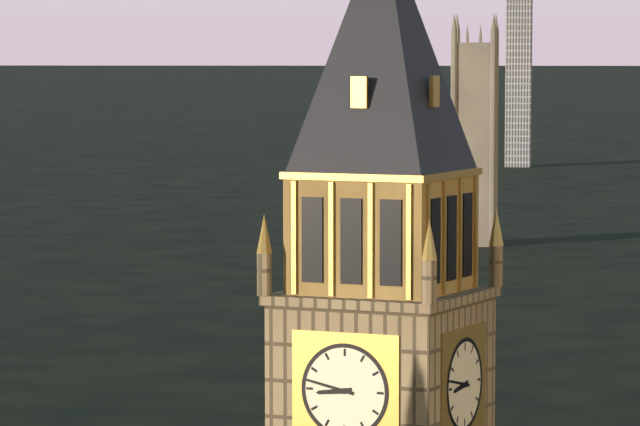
**8:47**
